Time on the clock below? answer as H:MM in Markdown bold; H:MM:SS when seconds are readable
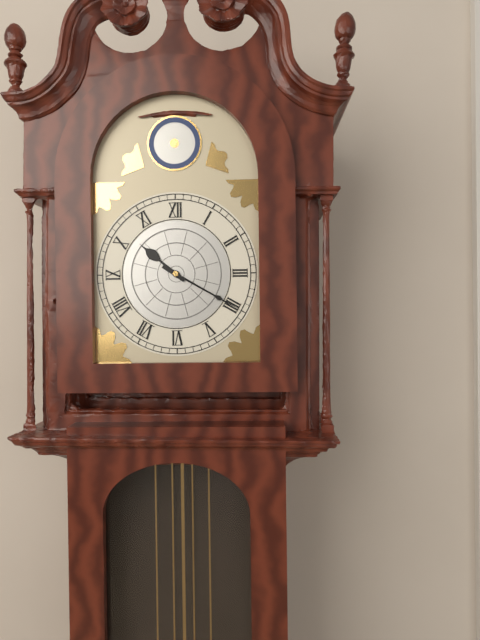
**10:20**
